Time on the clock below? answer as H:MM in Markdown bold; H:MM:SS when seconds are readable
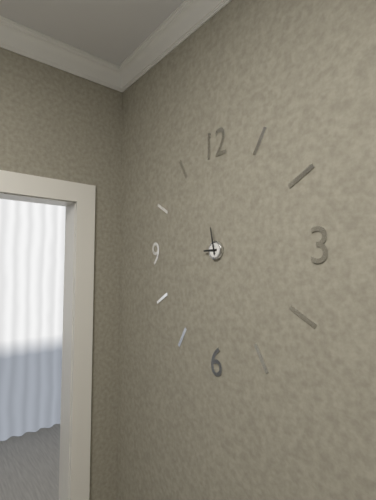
**8:58**
